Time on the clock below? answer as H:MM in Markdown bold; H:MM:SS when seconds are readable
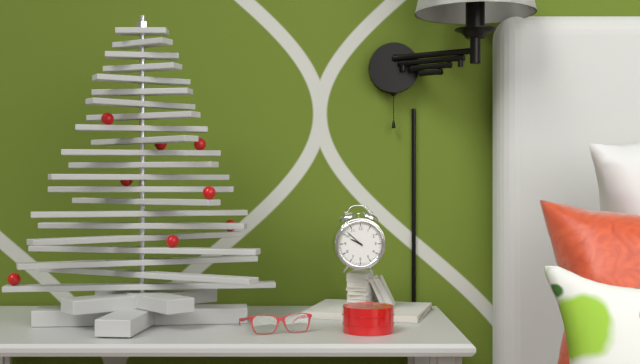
**9:52**
